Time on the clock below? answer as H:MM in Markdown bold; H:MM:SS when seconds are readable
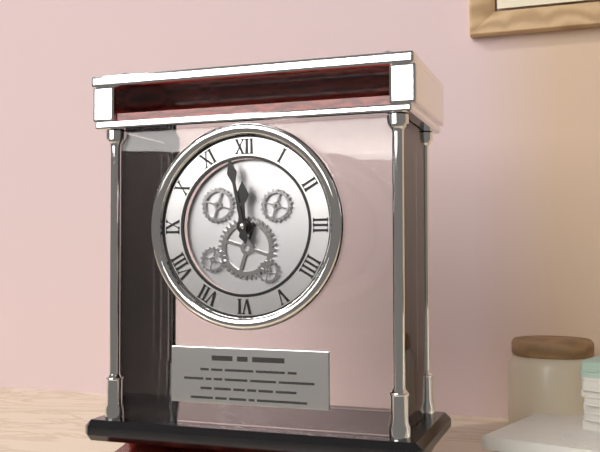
**11:58**
